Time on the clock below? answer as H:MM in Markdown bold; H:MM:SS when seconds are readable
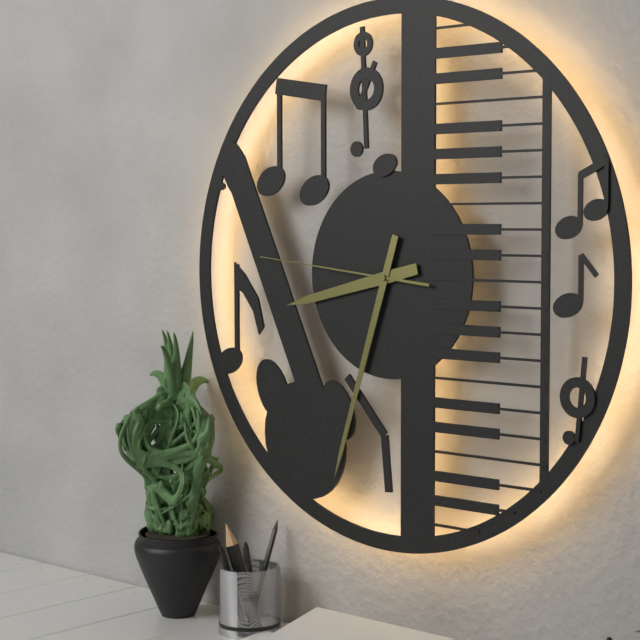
**8:33:46**
